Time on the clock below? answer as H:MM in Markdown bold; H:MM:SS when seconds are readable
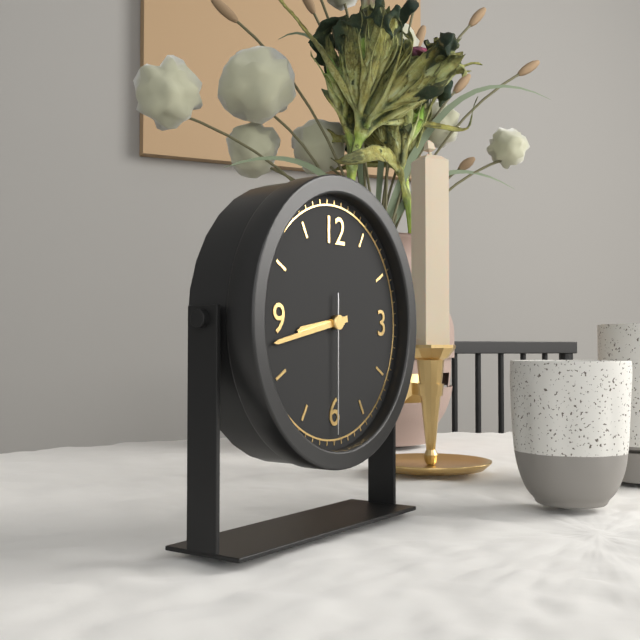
**8:43:30**
